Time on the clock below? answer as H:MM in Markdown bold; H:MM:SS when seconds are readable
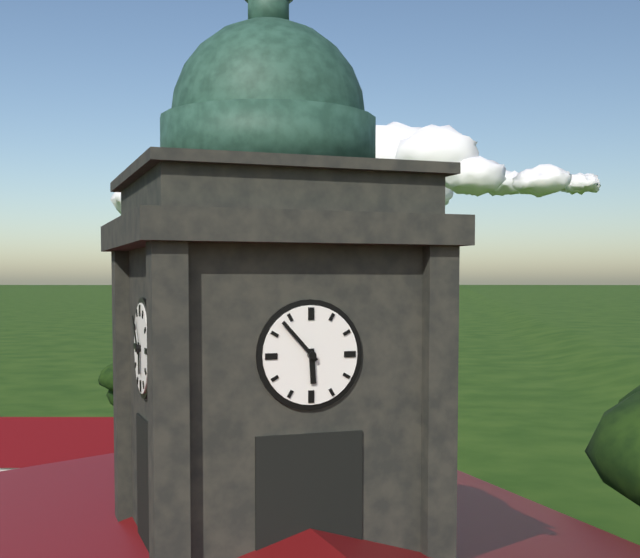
**5:53**
